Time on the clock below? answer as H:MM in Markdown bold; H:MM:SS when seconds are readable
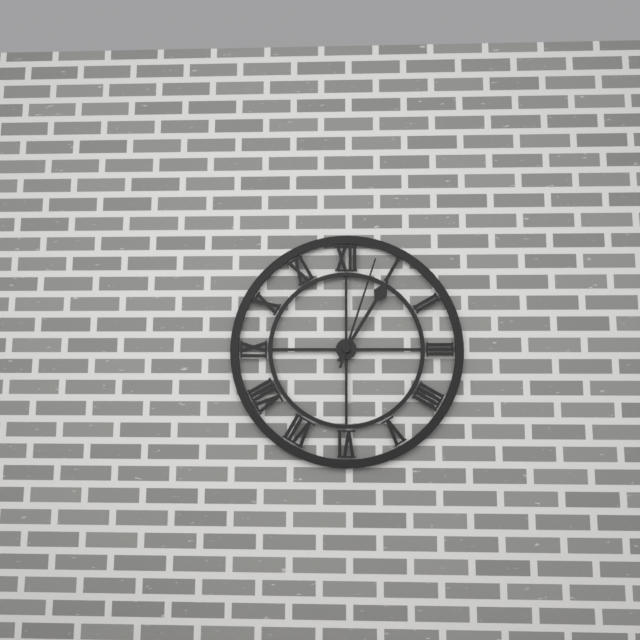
**1:03**
